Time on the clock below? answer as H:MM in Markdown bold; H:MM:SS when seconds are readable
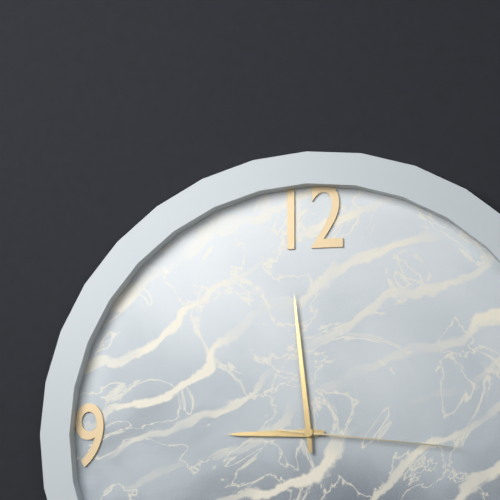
**8:59:16**
